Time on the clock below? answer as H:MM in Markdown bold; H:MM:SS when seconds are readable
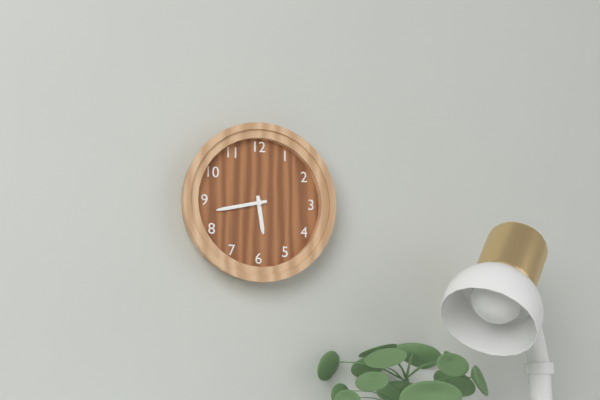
**5:43**
